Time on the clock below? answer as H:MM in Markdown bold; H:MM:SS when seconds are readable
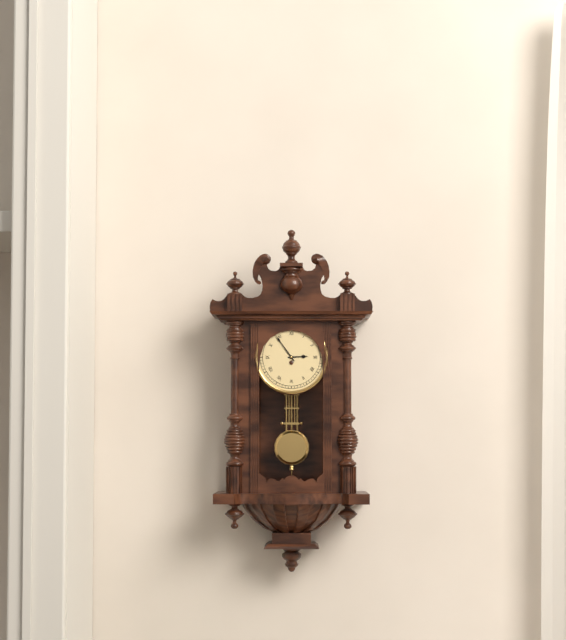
**2:54**
